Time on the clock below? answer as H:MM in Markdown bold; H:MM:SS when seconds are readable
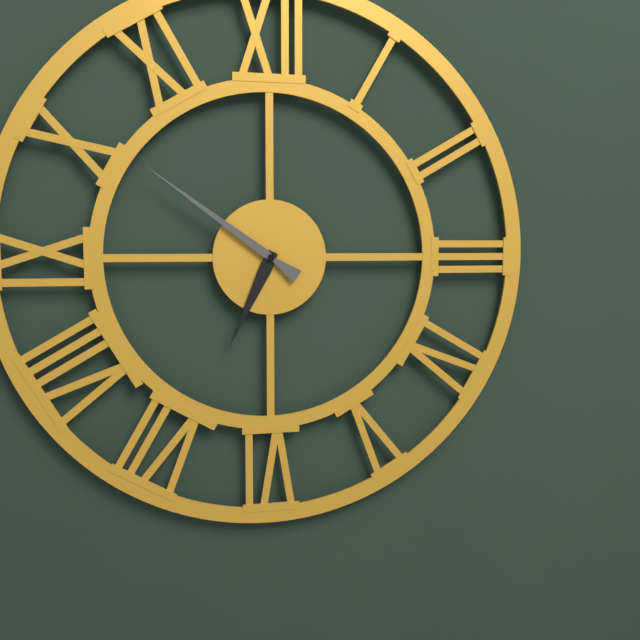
**6:51**
